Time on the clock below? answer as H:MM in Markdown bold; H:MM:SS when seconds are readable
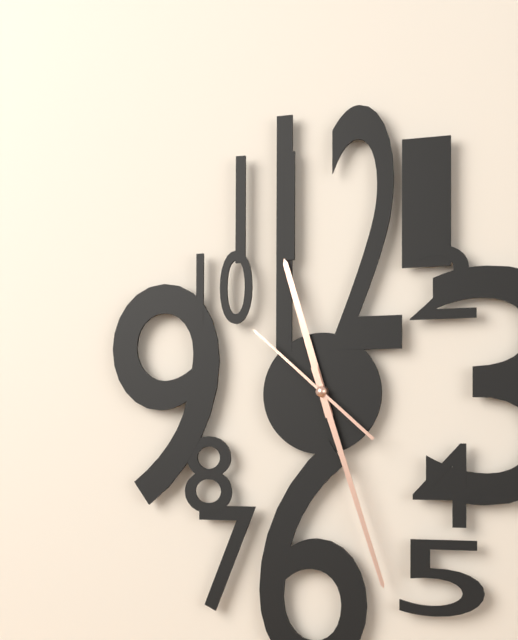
**11:27:52**
